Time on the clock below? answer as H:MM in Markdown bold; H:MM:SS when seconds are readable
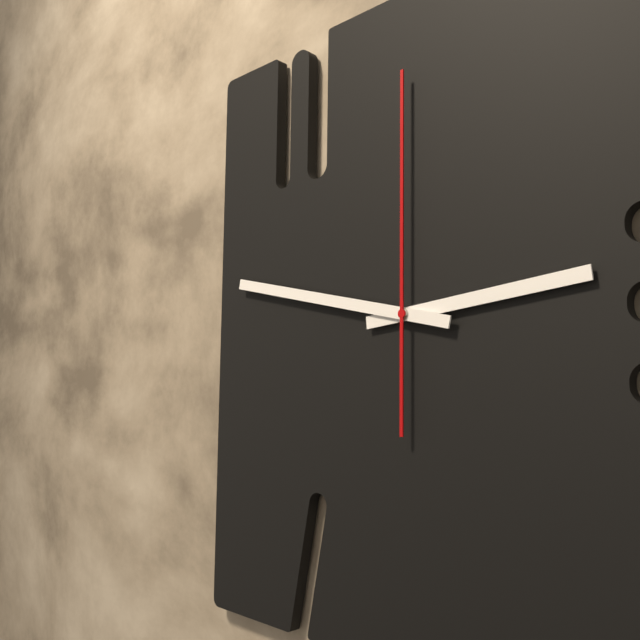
**2:47:00**
